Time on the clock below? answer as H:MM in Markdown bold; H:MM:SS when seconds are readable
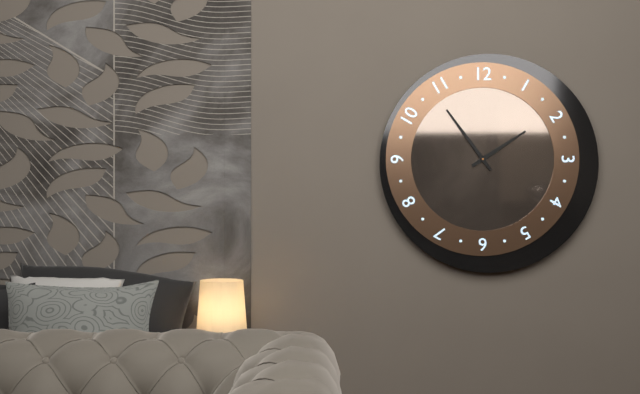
**1:54**
